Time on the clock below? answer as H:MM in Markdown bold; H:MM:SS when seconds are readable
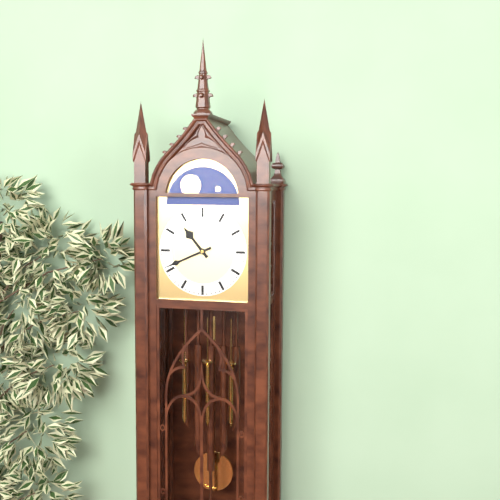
**10:41**
